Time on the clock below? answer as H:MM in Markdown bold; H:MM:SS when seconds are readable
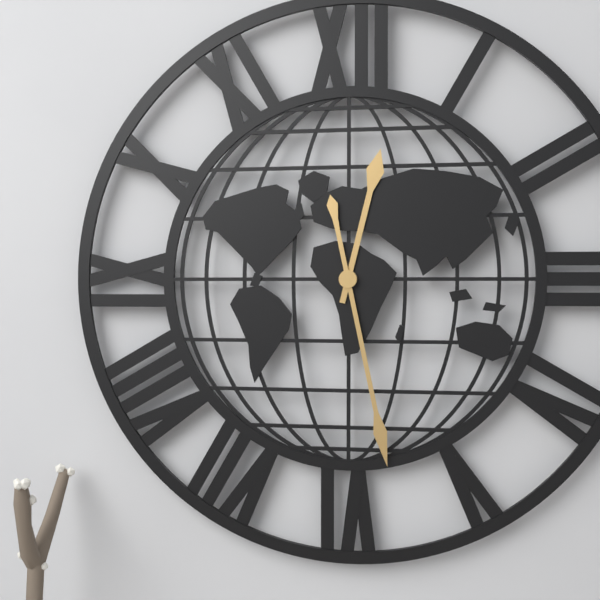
**12:28**
